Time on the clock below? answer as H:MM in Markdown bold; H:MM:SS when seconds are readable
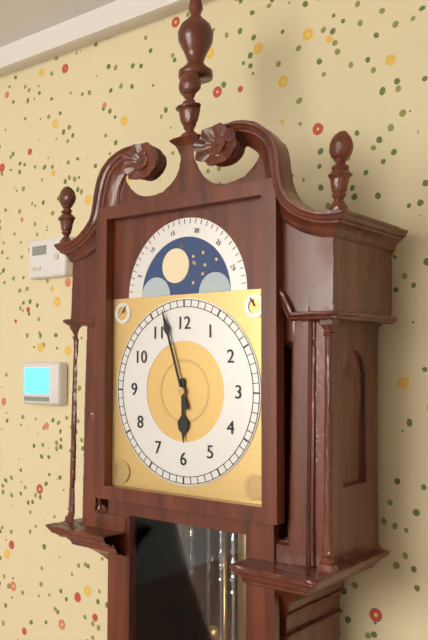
**5:57**
